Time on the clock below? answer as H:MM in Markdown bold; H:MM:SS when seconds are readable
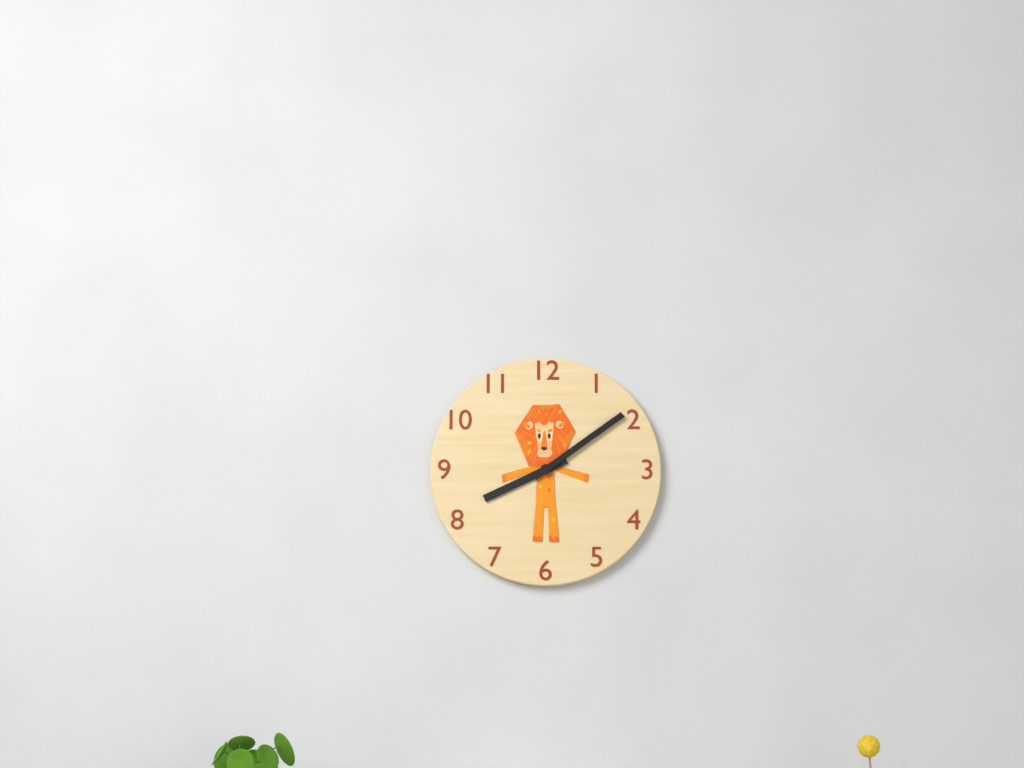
**8:09**
